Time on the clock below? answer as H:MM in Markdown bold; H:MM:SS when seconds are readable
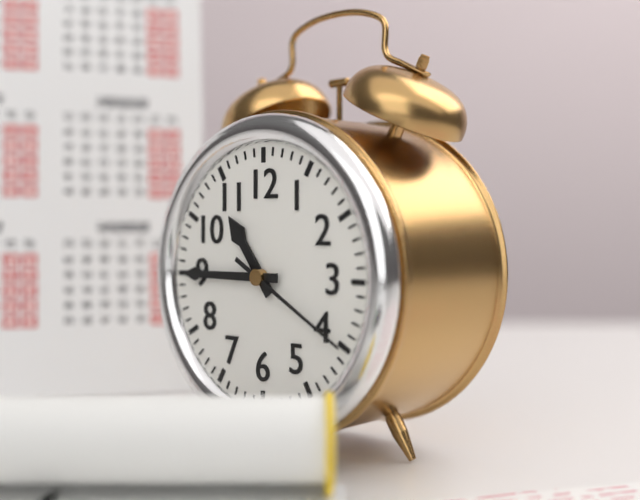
**10:45:20**
